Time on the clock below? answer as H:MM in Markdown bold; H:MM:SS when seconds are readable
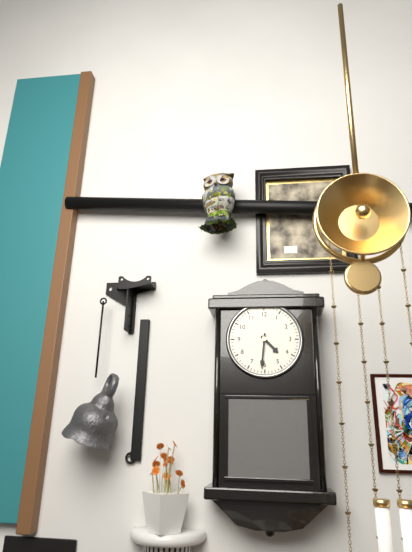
**4:31**
